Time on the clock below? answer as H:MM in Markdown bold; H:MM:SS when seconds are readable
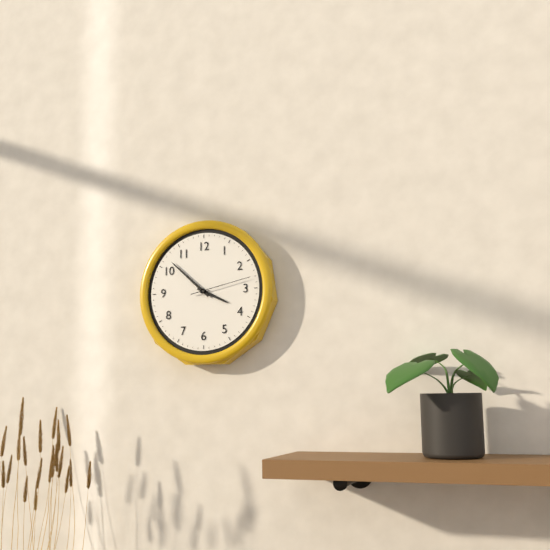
**3:52:13**
